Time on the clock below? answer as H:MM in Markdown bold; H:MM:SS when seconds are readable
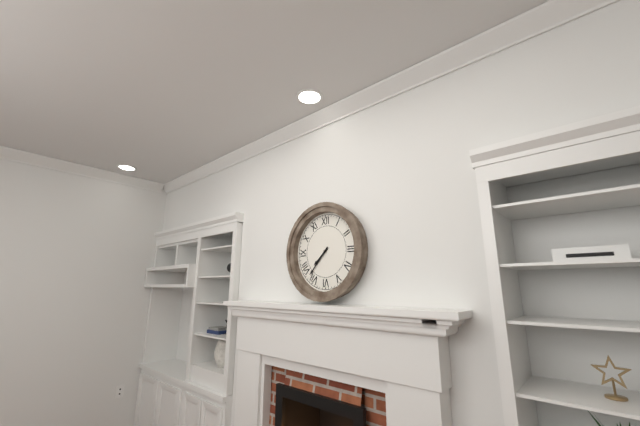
**7:37**
